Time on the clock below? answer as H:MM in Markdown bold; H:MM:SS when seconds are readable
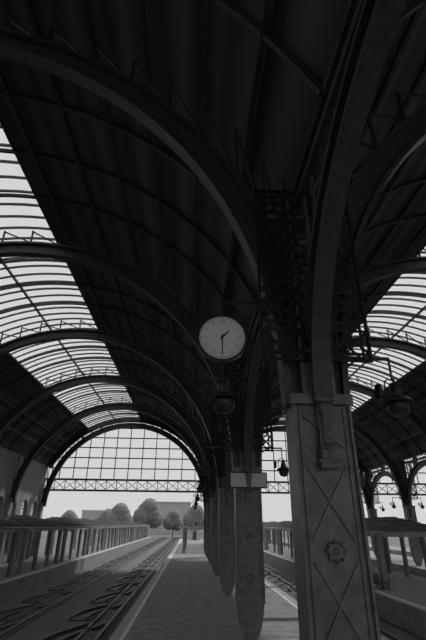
**1:30**
